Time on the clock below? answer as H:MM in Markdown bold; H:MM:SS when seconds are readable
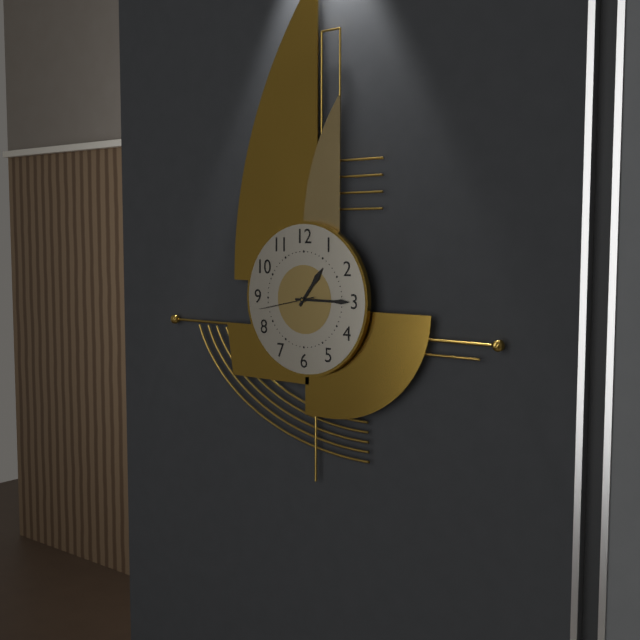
**1:15:43**
